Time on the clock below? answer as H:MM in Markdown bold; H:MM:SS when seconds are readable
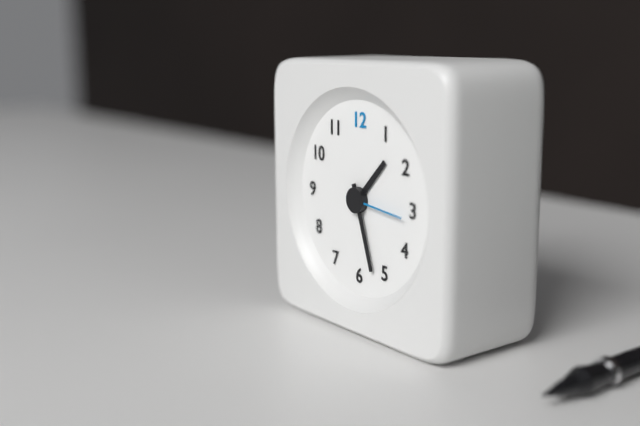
**1:27:16**
